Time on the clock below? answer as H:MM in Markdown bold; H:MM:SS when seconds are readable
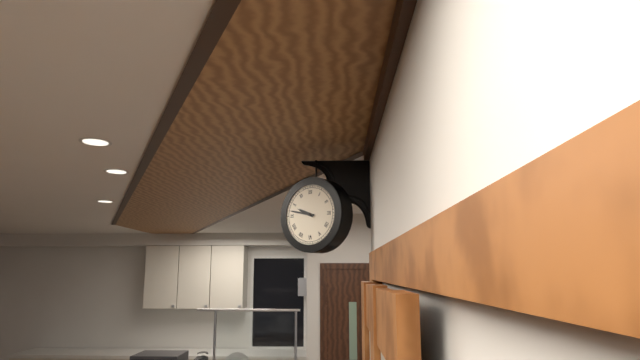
**9:47**
